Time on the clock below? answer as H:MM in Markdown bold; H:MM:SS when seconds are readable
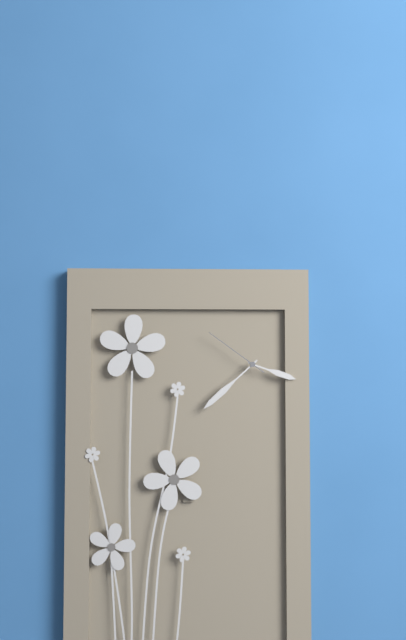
**3:38:51**
